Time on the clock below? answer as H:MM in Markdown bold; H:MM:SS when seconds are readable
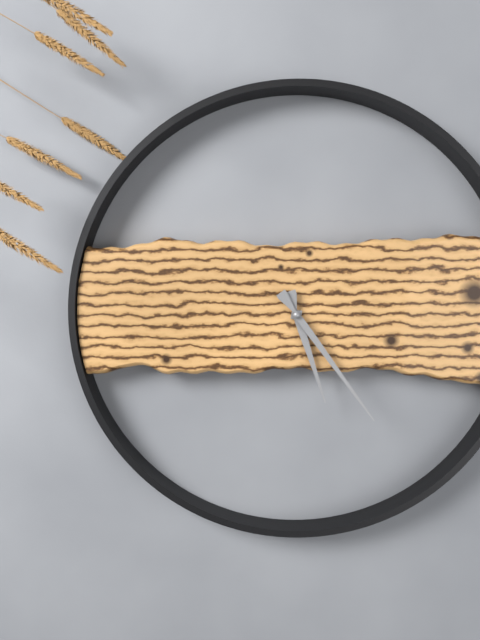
**5:24**
